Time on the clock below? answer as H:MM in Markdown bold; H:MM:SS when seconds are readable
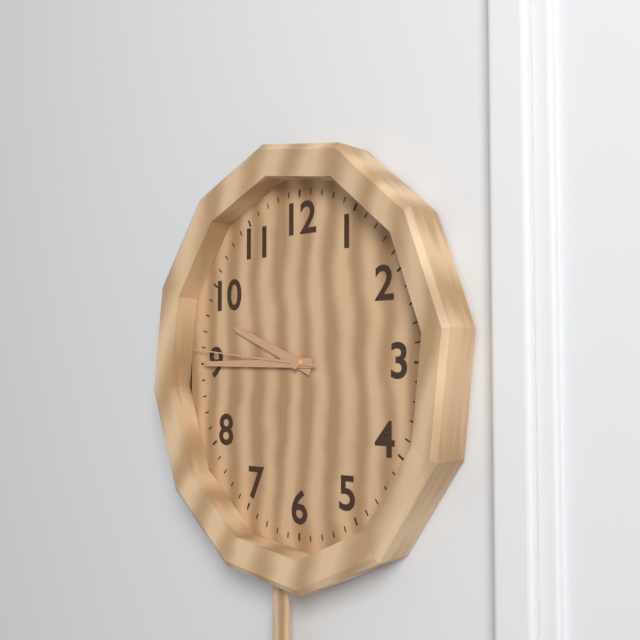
**9:45:46**
